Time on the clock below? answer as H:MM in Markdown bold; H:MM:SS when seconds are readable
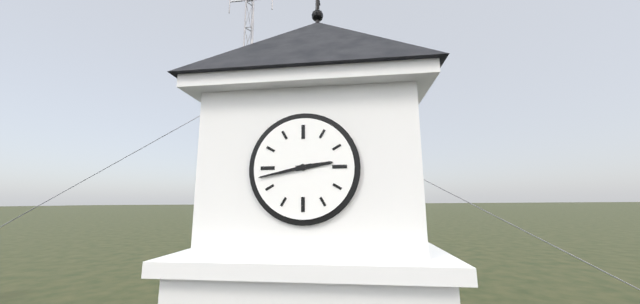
**2:43**
